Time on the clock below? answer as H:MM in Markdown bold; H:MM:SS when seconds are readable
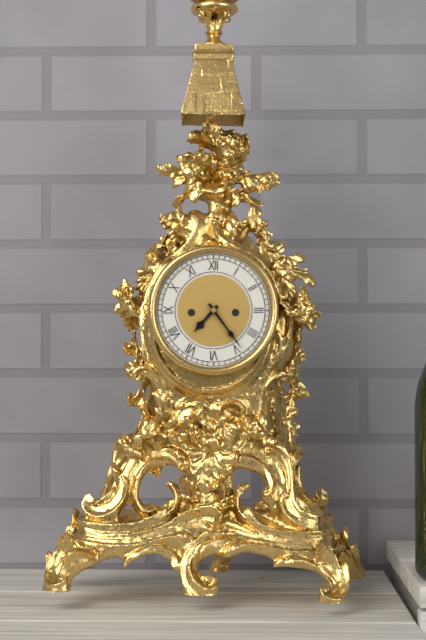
**7:24**
